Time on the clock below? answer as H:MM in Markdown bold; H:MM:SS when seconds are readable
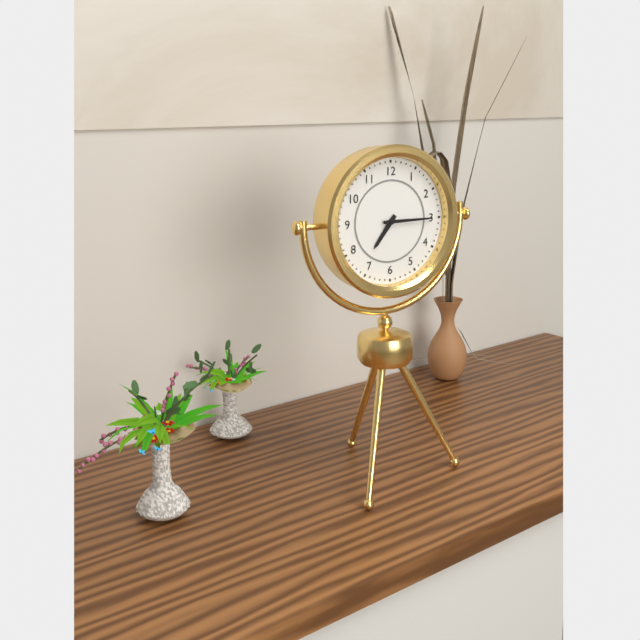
**7:15**
